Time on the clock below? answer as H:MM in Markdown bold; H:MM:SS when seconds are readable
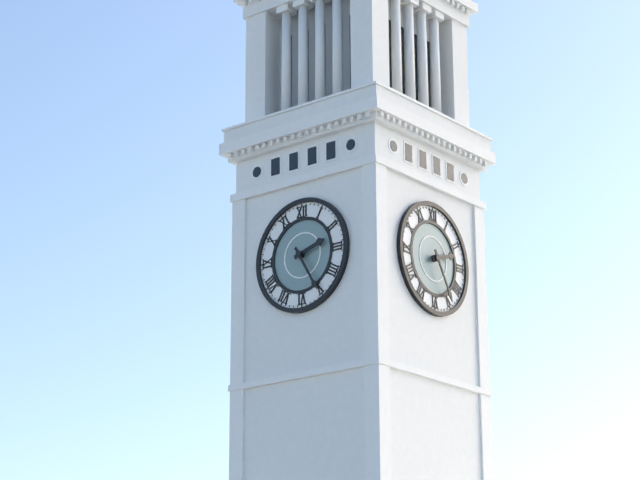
**2:25**
